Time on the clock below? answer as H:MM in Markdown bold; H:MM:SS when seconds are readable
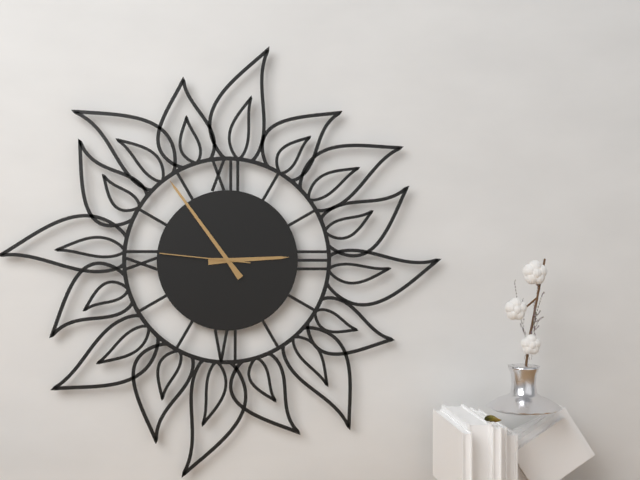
**2:54:46**
